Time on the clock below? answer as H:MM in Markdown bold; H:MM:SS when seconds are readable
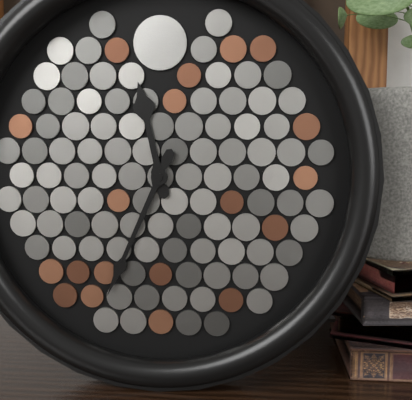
**11:34**
